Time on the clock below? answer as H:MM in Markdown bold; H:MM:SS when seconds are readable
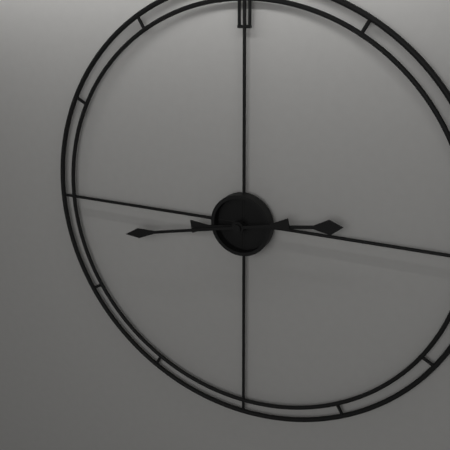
**2:43**
